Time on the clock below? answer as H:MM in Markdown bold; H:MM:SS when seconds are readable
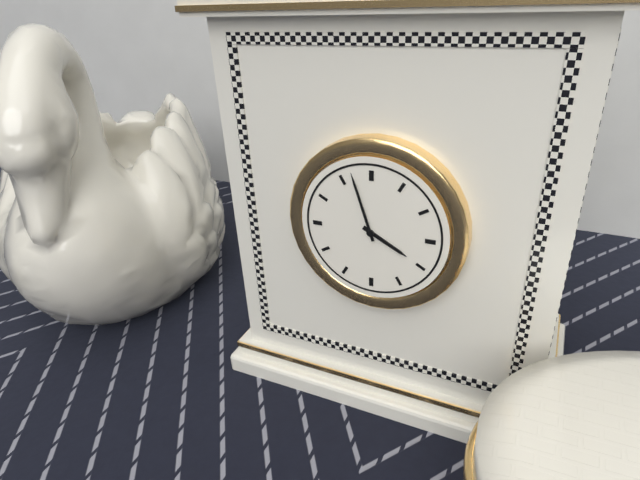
**3:57**
